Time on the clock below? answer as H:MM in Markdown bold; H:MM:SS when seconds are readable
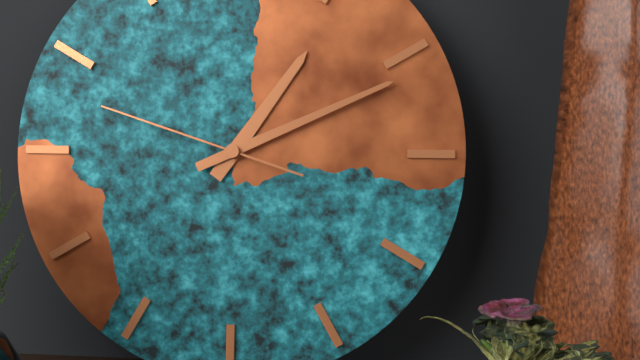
**1:11:48**
